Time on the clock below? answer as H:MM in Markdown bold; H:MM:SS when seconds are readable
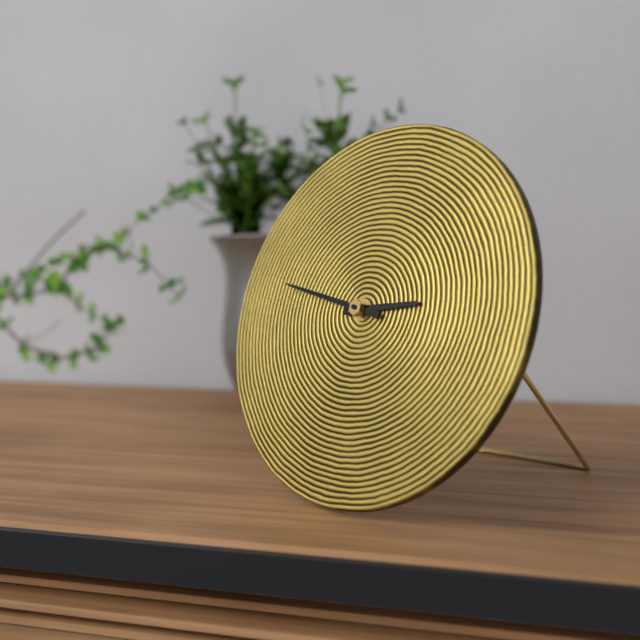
**2:47**
